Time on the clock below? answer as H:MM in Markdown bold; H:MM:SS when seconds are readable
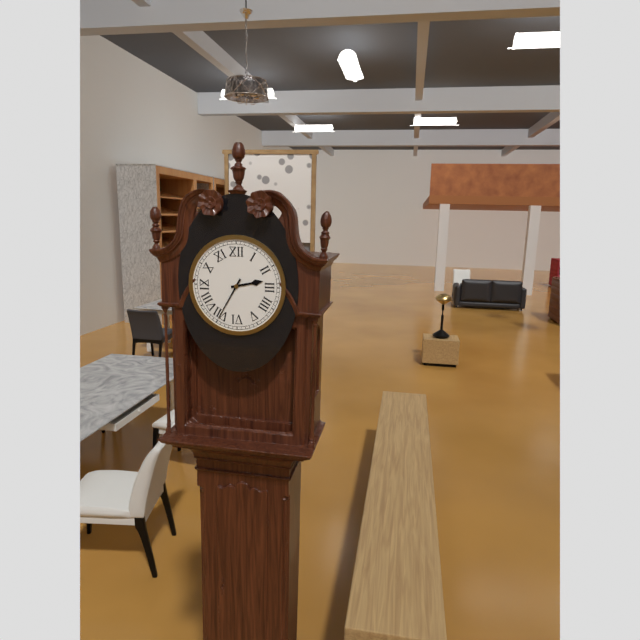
**2:35**
